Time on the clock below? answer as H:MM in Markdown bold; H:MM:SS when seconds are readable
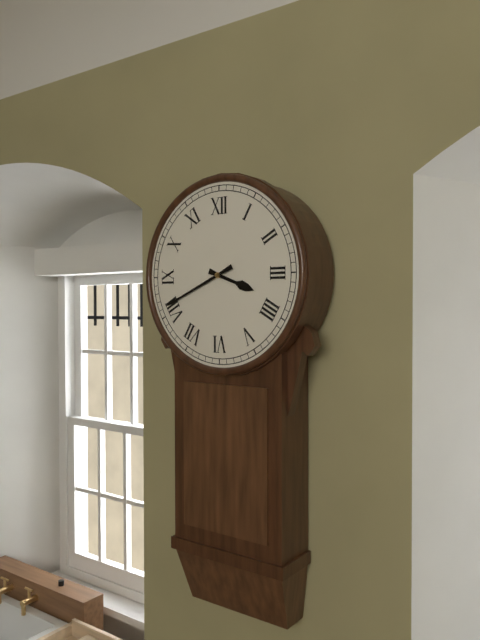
**3:41**
